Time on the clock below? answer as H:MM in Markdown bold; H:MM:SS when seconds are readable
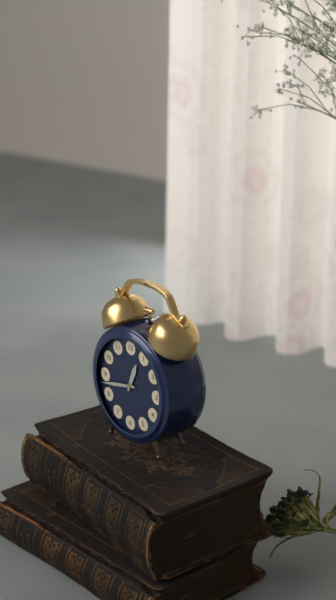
**12:43**
